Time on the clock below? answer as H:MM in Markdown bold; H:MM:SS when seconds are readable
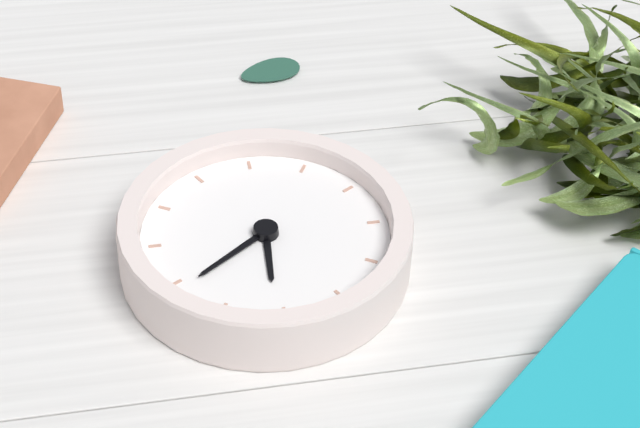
**12:09**
